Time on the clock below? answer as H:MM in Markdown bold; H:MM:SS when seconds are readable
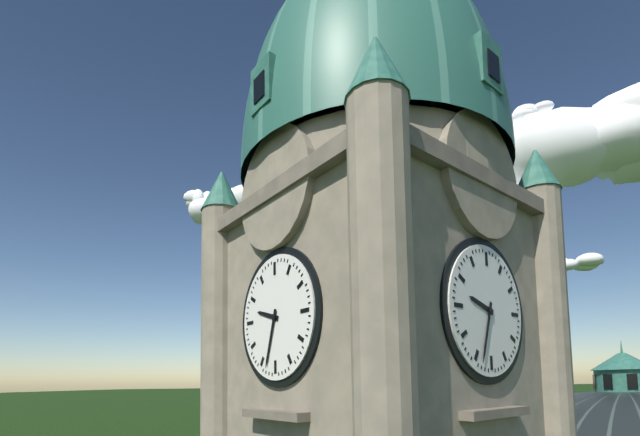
**9:33**
